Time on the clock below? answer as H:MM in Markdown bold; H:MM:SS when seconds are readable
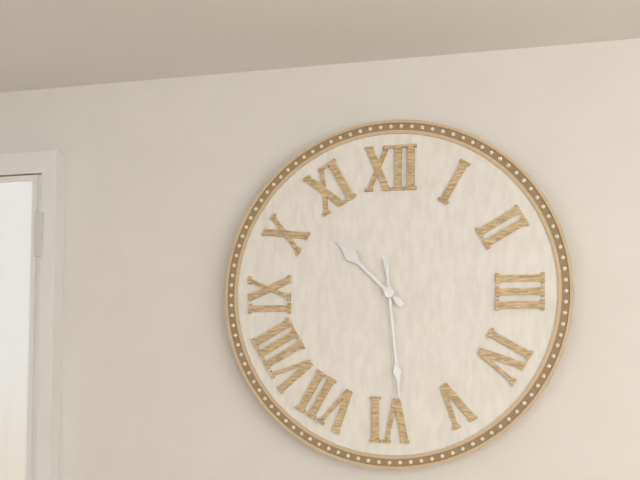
**10:29**
